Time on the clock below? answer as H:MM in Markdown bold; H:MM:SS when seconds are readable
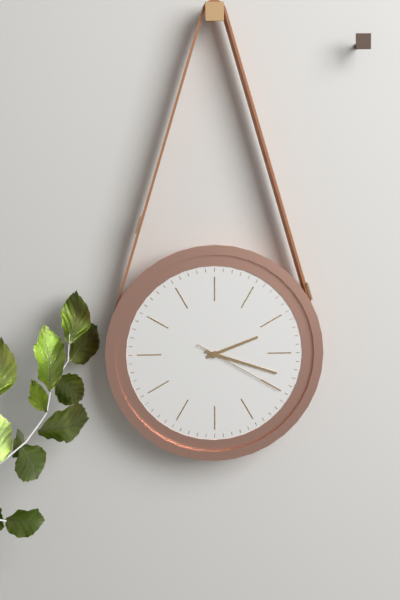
**2:18:20**
